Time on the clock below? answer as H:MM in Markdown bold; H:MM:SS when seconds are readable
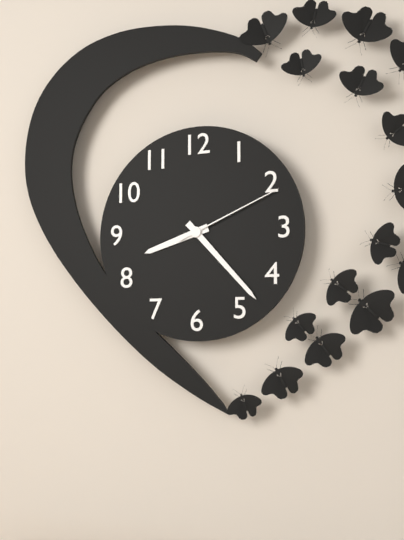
**8:23:11**
